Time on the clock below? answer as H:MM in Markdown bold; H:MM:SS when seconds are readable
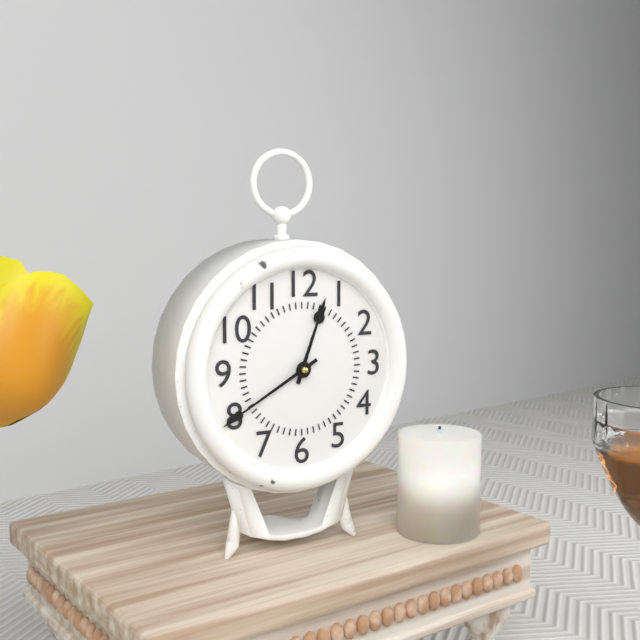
**12:40**
